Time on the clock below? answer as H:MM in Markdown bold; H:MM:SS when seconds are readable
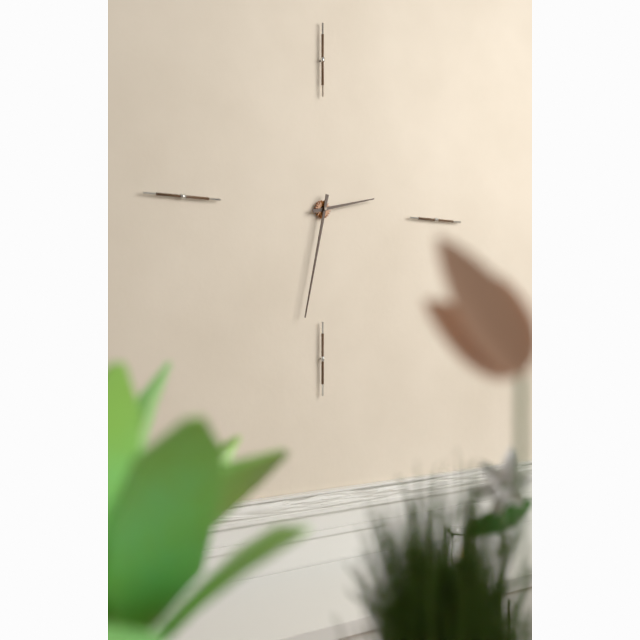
**2:32**
